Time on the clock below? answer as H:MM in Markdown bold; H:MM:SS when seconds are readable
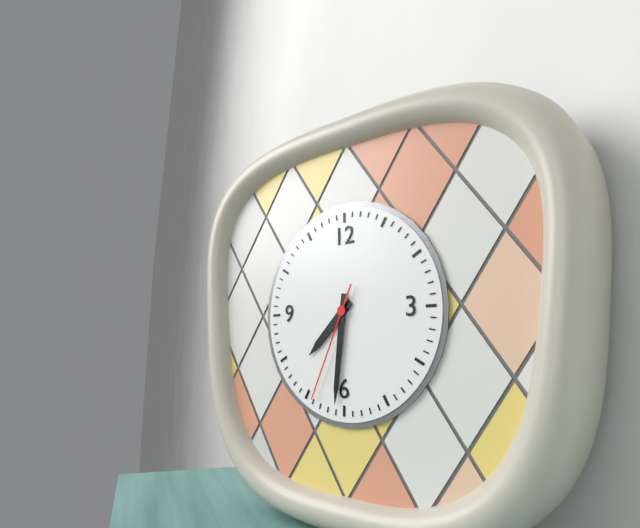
**7:31:34**
